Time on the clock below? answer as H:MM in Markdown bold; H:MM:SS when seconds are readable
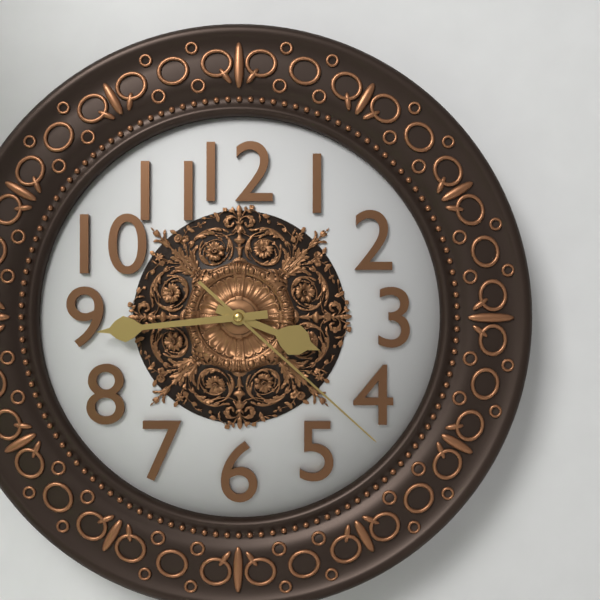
**3:44:22**
